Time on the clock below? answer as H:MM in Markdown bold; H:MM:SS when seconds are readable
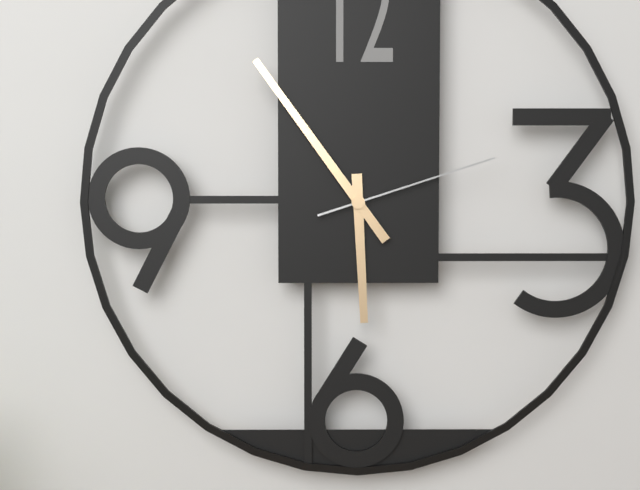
**5:54:12**
